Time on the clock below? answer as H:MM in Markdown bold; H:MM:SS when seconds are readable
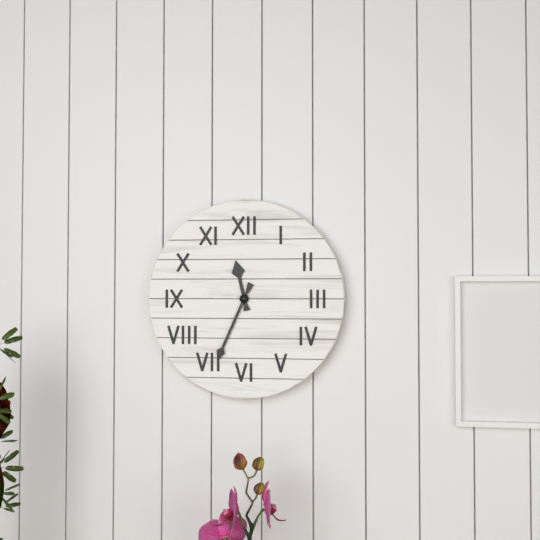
**11:34**
